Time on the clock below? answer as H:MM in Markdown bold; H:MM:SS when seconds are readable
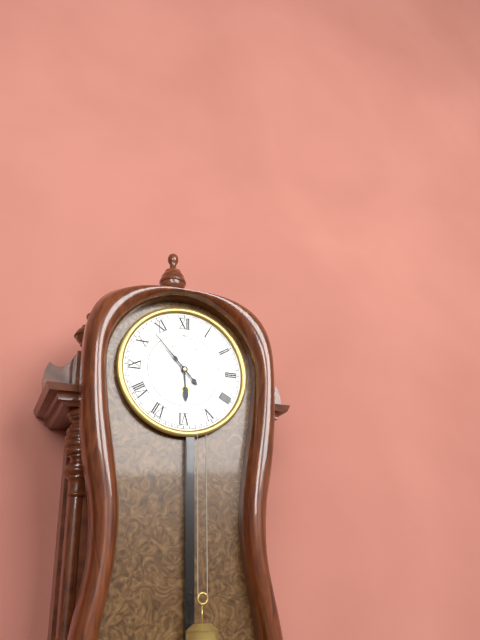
**5:53**
